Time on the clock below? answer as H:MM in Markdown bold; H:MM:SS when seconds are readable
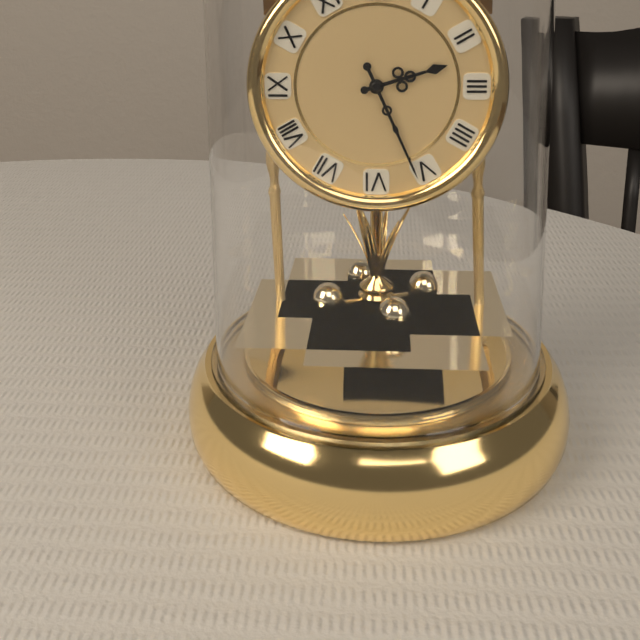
**2:26**
